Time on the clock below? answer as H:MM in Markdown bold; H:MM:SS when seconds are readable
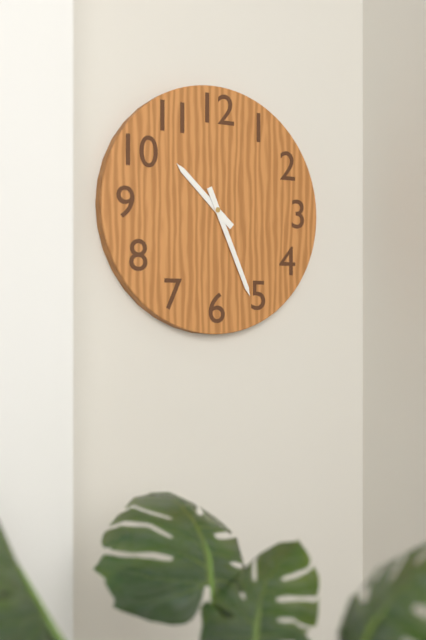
**10:26**
